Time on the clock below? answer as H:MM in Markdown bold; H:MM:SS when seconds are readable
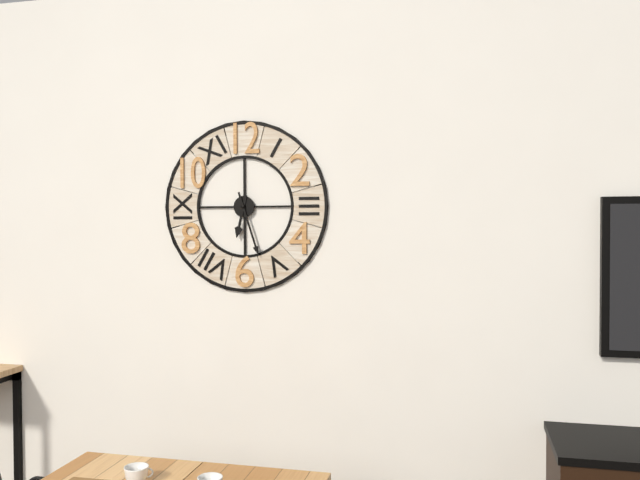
**6:27**
